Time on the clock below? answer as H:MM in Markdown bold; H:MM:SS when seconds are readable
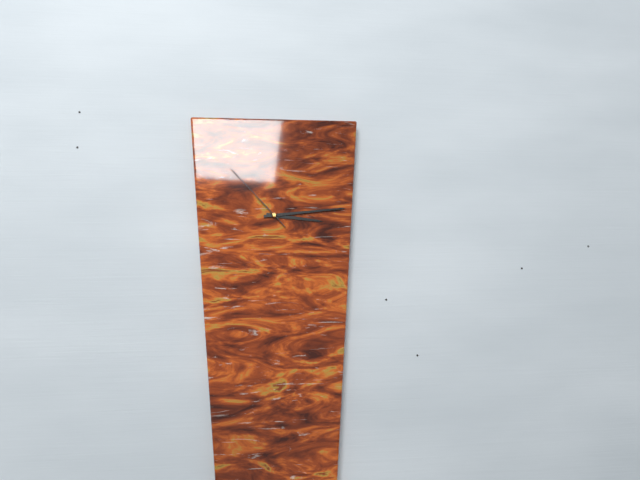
**3:14:53**
